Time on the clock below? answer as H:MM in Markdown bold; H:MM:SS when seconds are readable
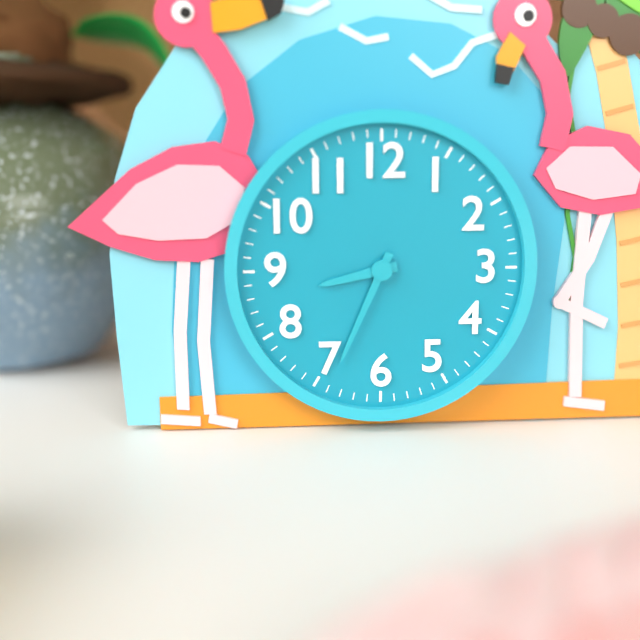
**8:34**
